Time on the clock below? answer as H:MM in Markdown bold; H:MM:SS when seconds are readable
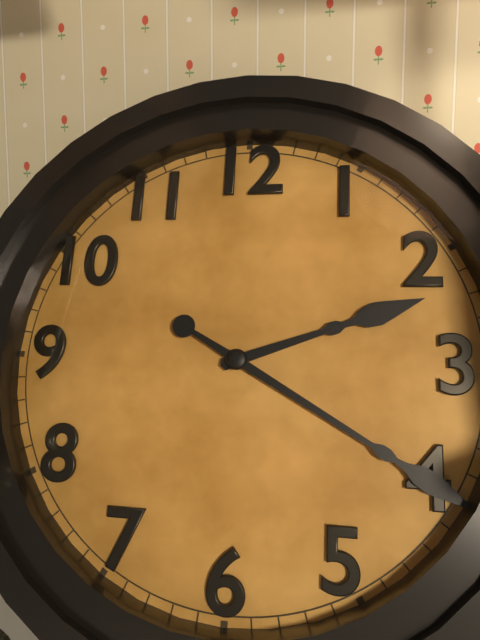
**2:20**
